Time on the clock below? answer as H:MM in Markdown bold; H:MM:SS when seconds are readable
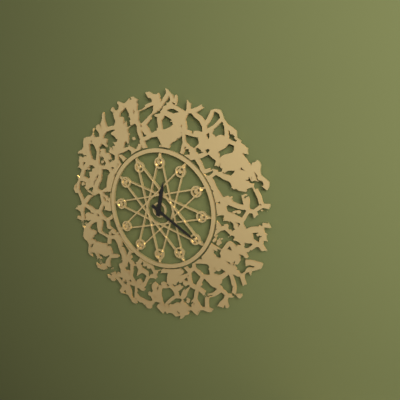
**12:20**
